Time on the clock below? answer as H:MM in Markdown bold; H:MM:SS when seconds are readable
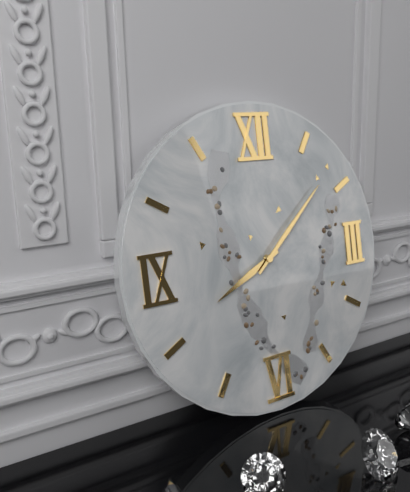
**8:08**
